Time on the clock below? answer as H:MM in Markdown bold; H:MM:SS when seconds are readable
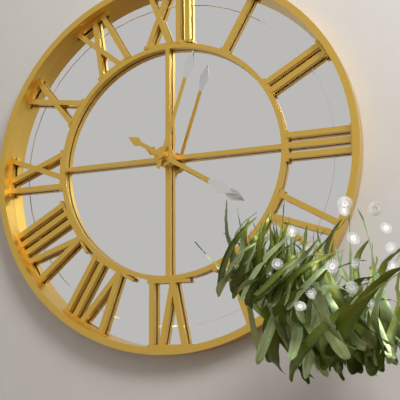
**4:03**
